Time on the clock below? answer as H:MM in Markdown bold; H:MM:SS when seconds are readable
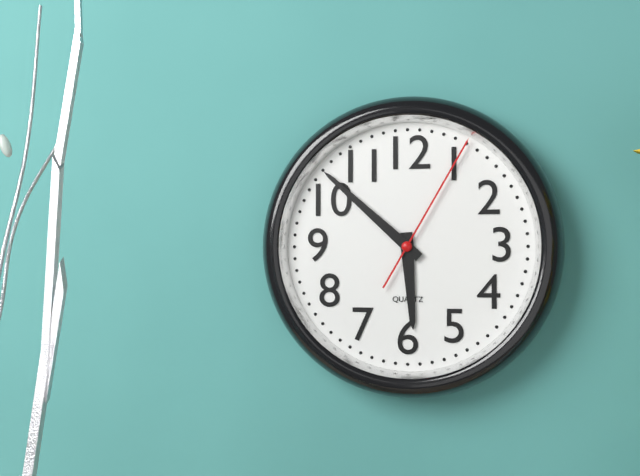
**5:52:05**
